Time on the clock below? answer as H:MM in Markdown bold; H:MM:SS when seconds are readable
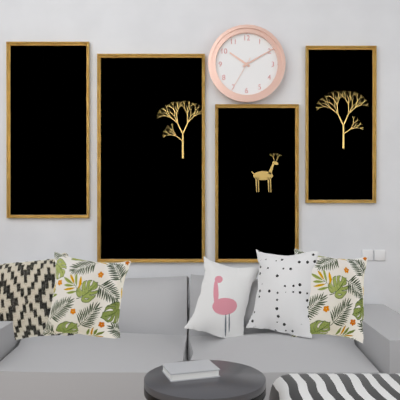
**10:10**
